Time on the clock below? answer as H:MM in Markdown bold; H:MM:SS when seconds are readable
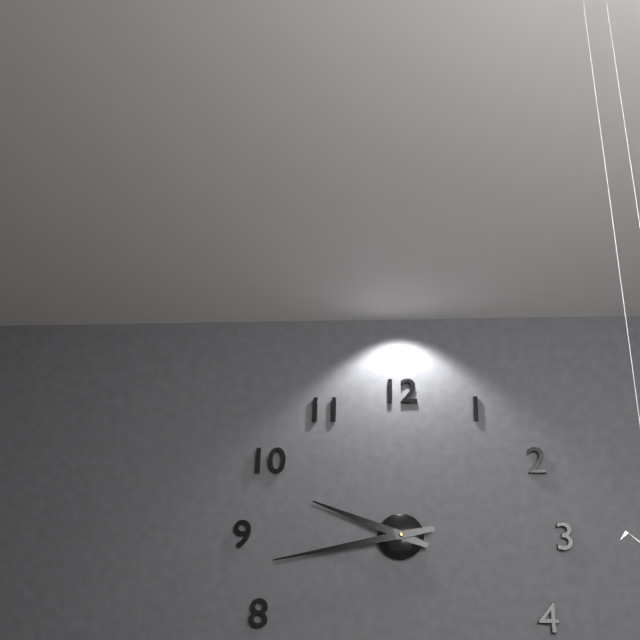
**9:43**
